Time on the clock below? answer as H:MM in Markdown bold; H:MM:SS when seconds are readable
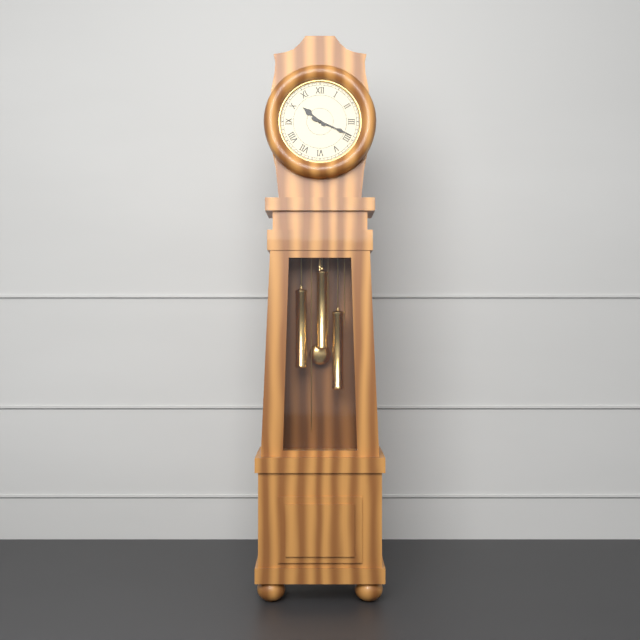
**10:19**
